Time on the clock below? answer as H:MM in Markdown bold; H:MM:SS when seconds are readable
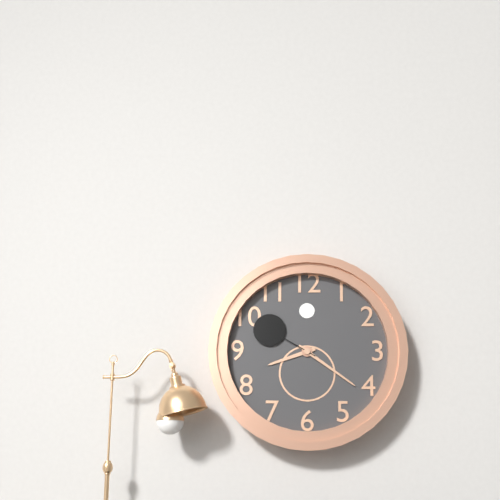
**8:21:50**
